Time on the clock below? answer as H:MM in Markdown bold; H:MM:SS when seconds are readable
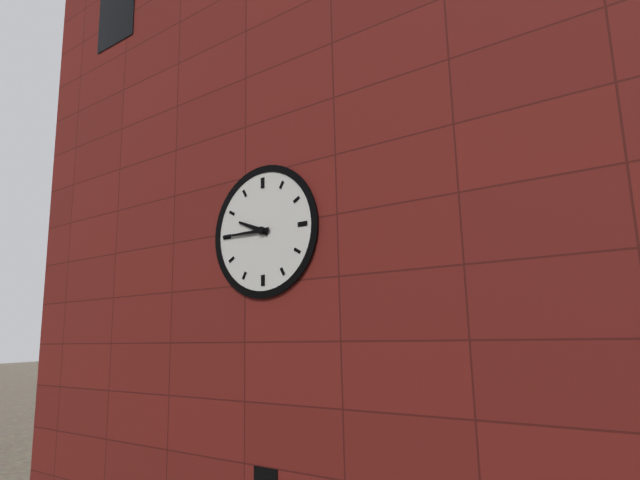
**9:45**
